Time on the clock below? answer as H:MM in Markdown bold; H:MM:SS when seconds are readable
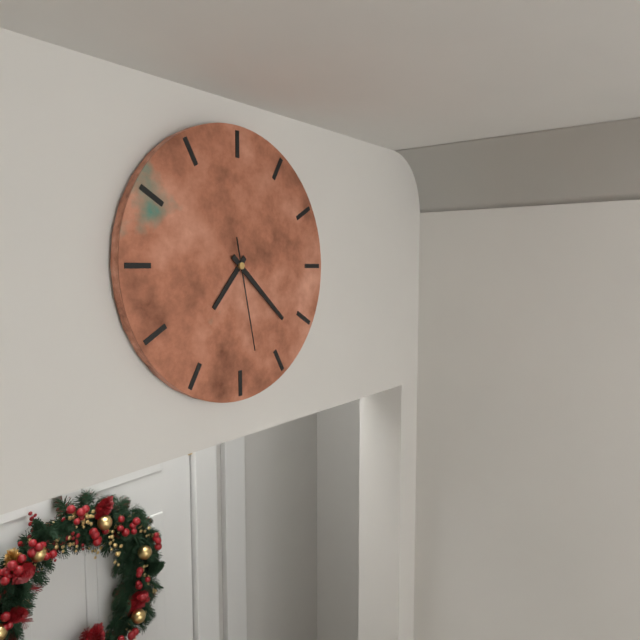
**7:22:28**
